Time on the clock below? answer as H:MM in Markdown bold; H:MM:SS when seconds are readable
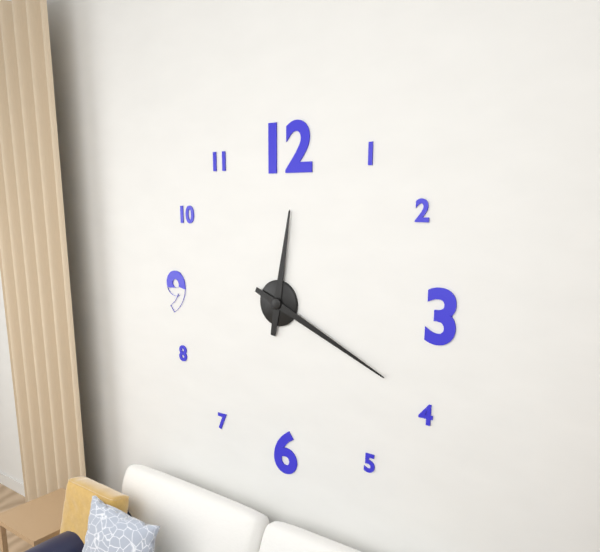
**12:19**
